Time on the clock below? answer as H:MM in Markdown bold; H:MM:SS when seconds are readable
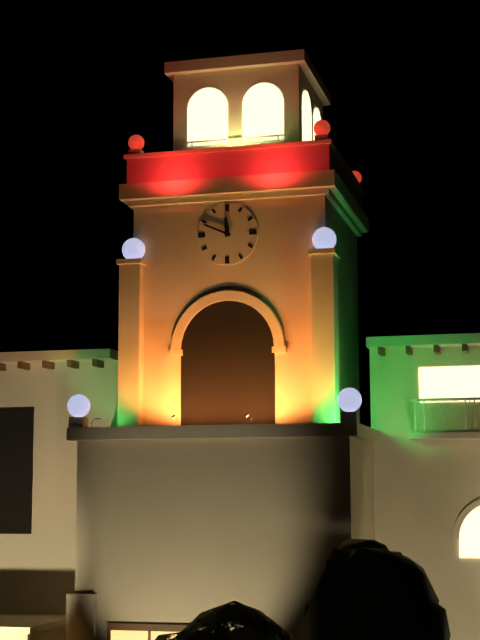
**11:49**
